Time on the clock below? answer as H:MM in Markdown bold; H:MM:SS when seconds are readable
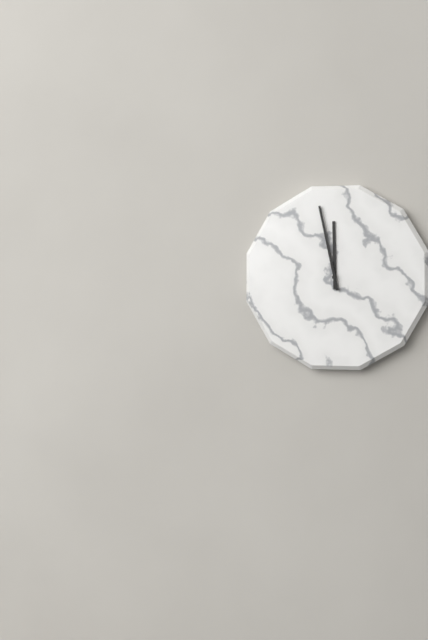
**11:58**
